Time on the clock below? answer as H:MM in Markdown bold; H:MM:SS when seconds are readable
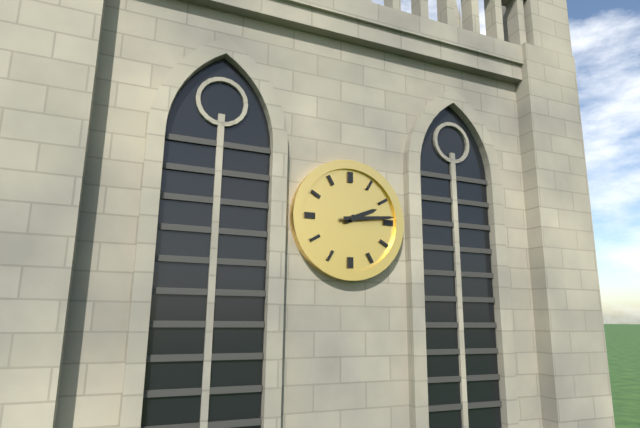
**2:14**
